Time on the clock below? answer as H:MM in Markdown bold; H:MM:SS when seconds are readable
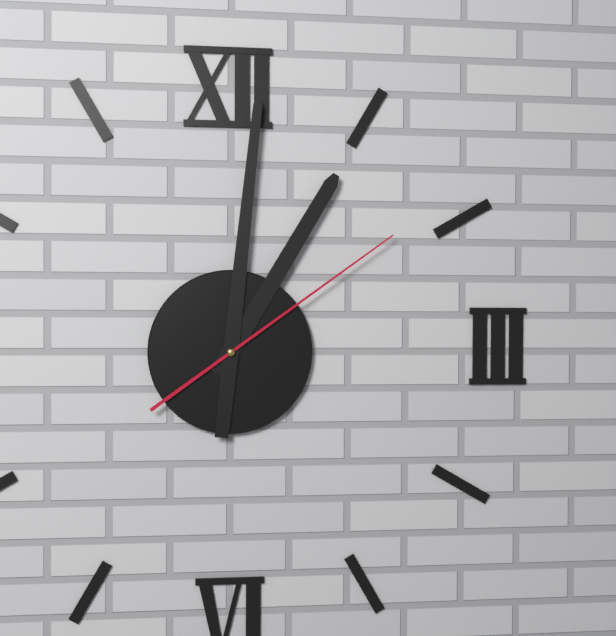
**1:01:09**
